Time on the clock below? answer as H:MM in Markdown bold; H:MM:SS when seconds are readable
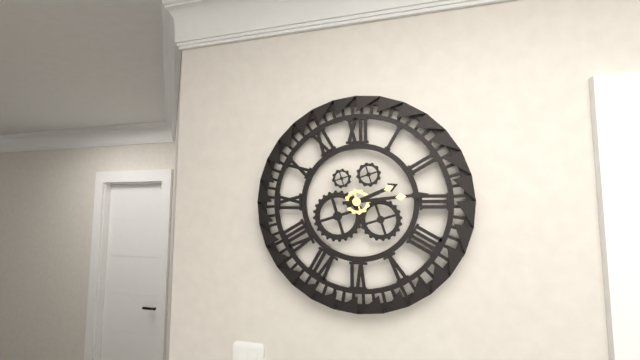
**2:14**
